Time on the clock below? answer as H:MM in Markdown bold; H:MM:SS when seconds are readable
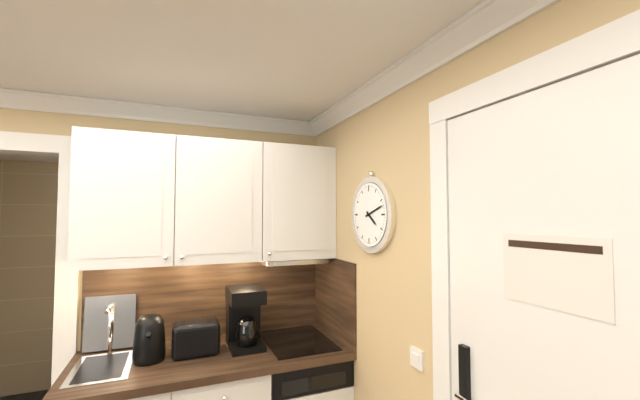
**4:12**
